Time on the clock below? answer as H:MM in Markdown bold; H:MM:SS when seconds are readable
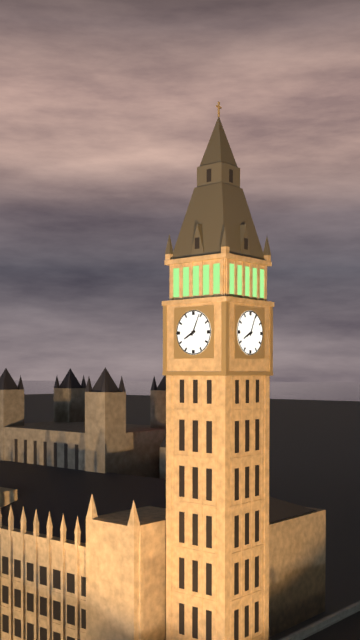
**8:04**
